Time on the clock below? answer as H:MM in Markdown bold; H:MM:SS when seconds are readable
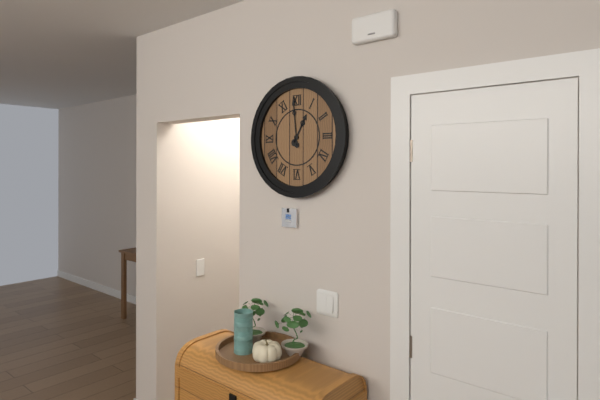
**12:59**
